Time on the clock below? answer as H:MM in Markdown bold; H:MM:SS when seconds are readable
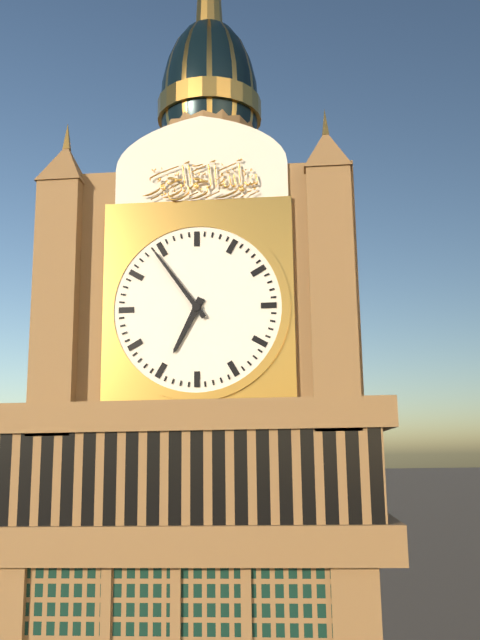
**6:54**
